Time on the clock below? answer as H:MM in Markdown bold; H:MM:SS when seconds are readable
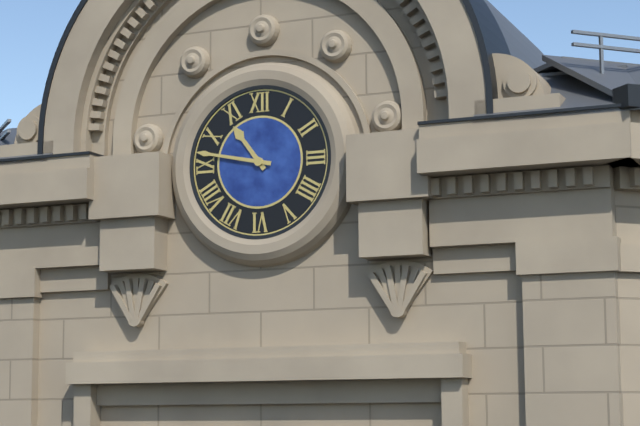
**10:47**
